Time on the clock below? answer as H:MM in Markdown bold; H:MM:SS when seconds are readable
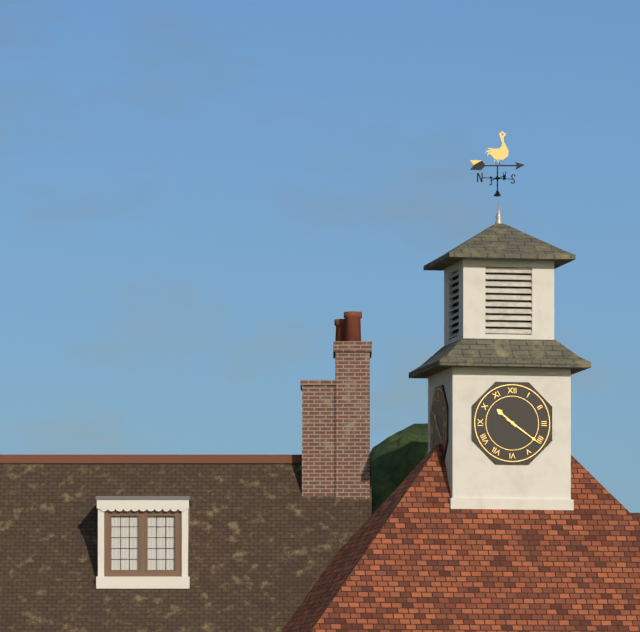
**10:21**
